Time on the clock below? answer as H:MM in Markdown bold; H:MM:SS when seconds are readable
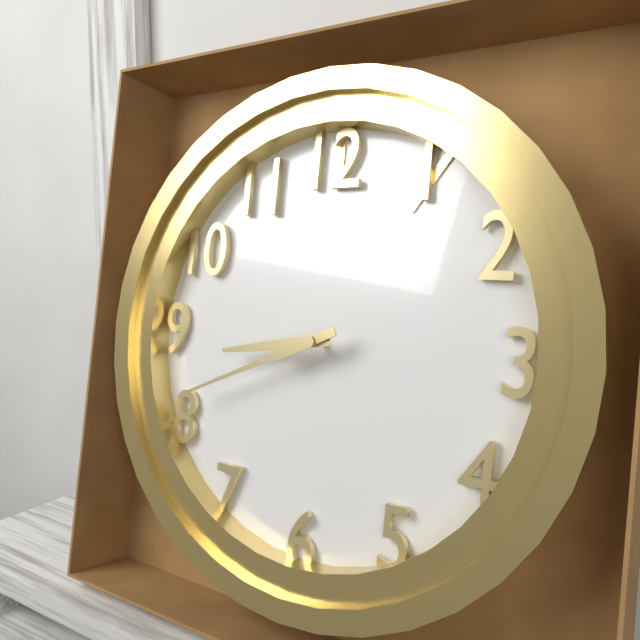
**8:41**
